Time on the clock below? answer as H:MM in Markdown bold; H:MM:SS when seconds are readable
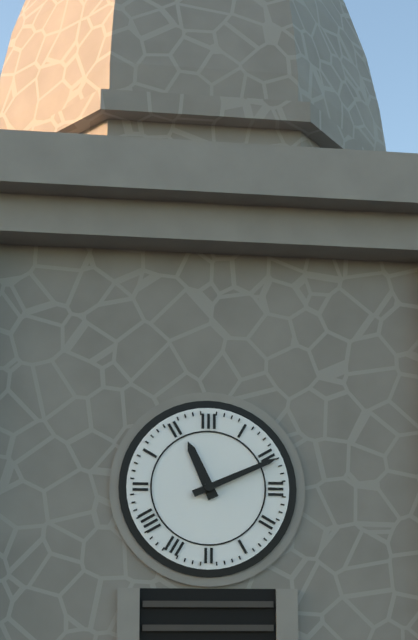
**11:11**
